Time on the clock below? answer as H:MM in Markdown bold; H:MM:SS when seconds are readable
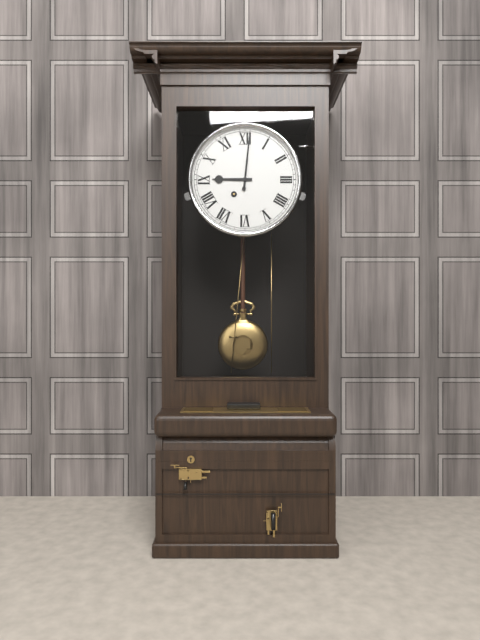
**9:01**
